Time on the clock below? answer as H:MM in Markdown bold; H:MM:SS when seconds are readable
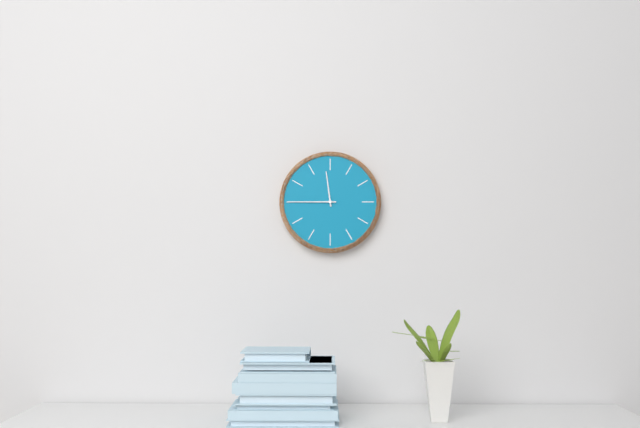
**11:45**
